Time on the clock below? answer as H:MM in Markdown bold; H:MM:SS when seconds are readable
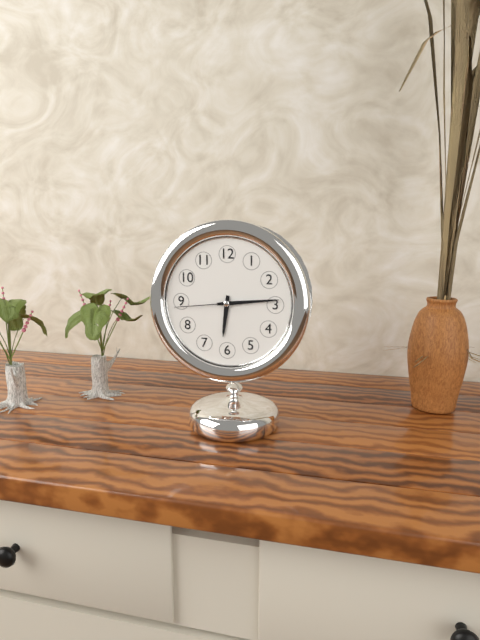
**6:14:44**
